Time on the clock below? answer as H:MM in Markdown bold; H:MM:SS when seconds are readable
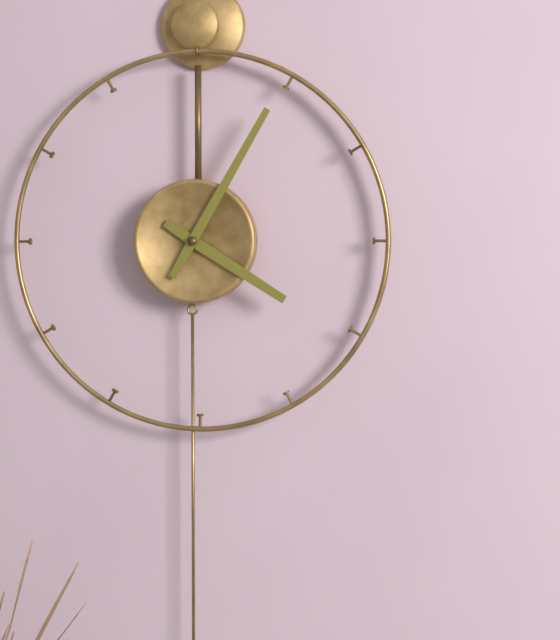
**4:05**
